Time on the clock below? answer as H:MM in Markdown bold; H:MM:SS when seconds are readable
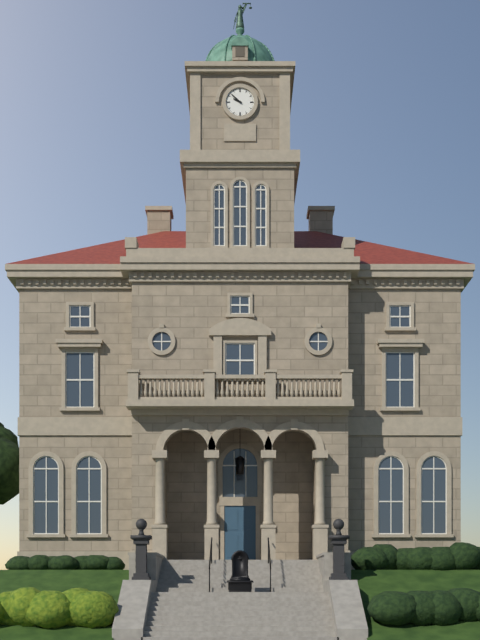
**9:52**
